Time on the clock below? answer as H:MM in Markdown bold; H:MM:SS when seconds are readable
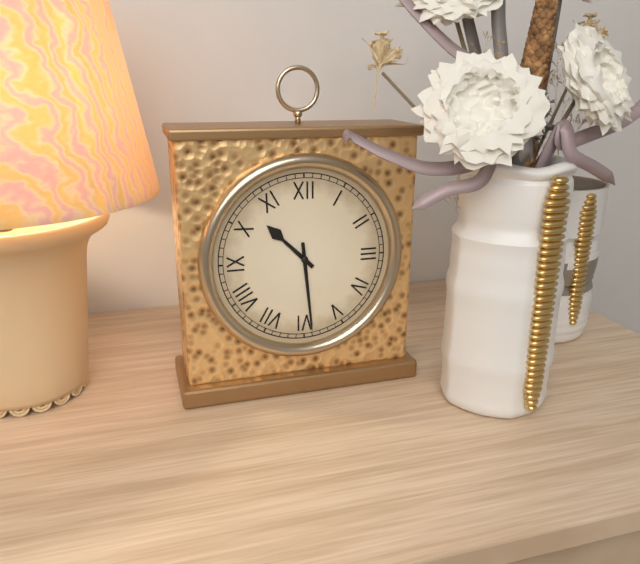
**10:29**
